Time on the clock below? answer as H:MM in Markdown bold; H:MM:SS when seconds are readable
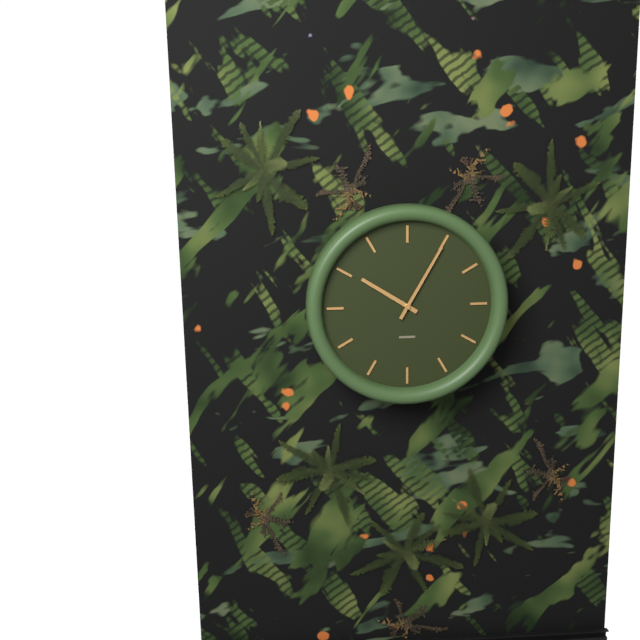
**10:05**
